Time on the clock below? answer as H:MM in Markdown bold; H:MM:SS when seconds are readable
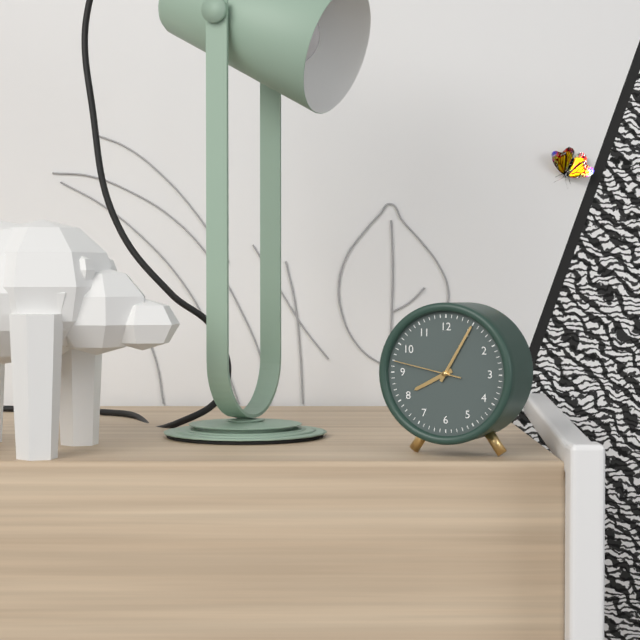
**8:05:47**
